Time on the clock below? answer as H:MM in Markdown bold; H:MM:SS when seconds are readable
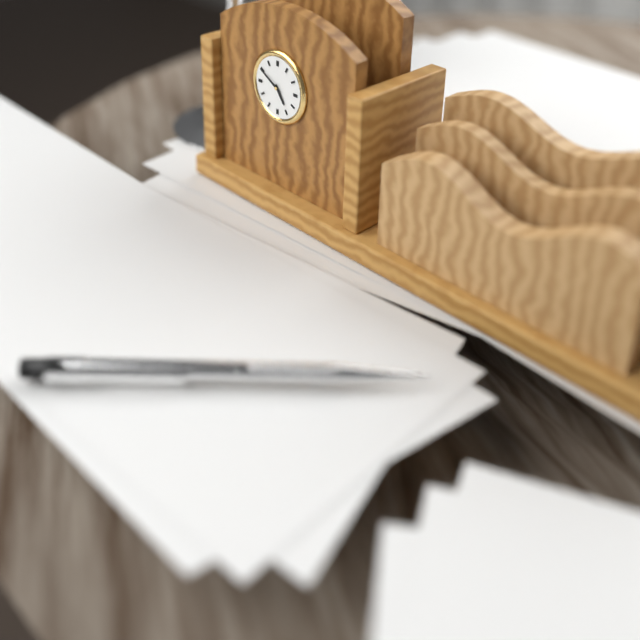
**4:50**
